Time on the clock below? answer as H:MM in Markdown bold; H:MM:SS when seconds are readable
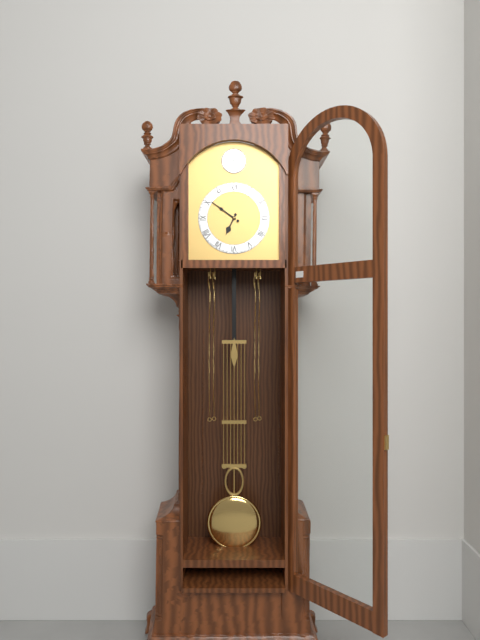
**6:51**
